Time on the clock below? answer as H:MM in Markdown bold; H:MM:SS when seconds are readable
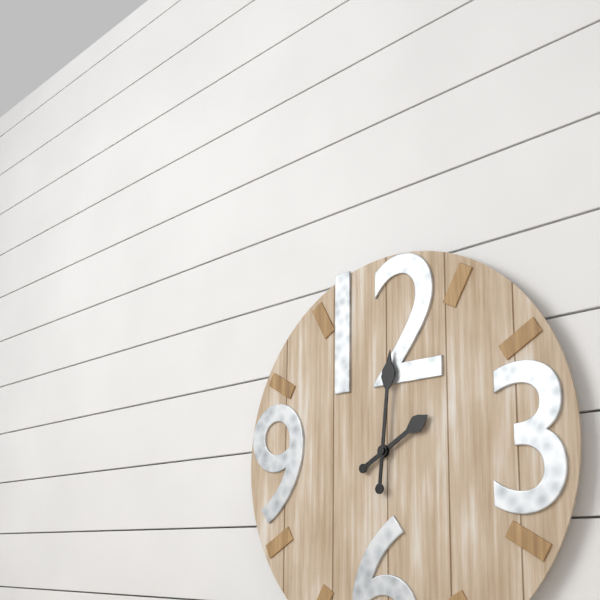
**2:01**
